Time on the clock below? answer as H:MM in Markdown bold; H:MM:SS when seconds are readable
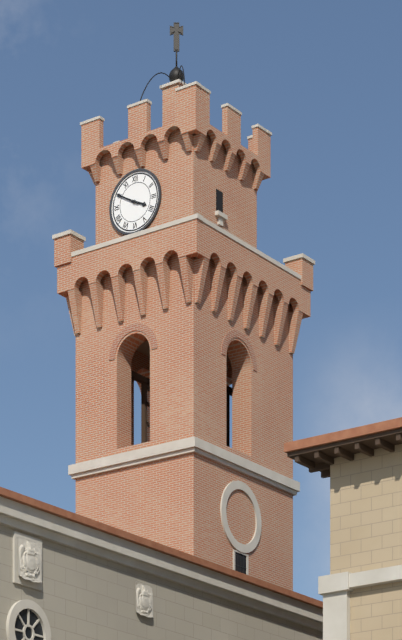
**3:50**
